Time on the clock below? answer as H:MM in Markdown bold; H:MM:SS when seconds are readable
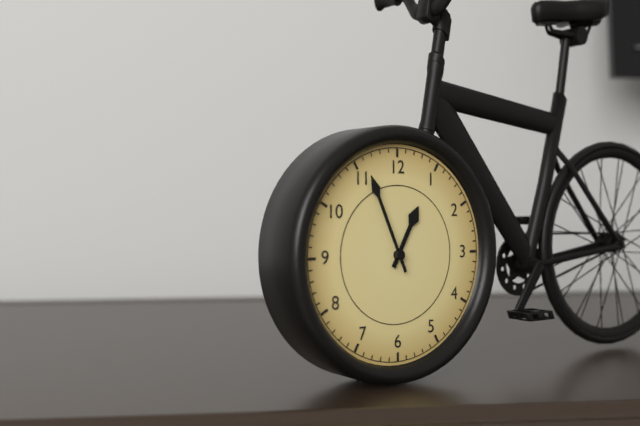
**12:56**
